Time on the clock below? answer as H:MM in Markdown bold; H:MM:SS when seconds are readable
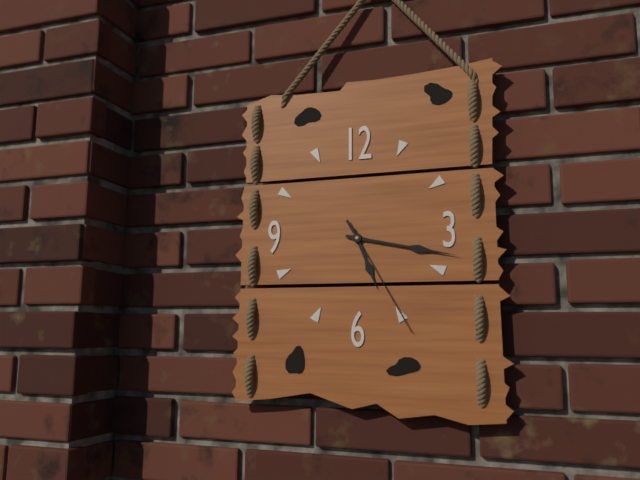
**5:17:25**
